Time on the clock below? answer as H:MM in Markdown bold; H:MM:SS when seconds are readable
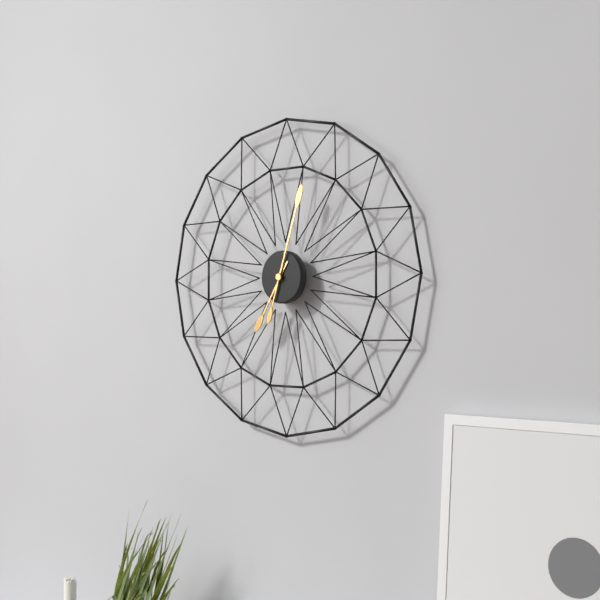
**7:03**
